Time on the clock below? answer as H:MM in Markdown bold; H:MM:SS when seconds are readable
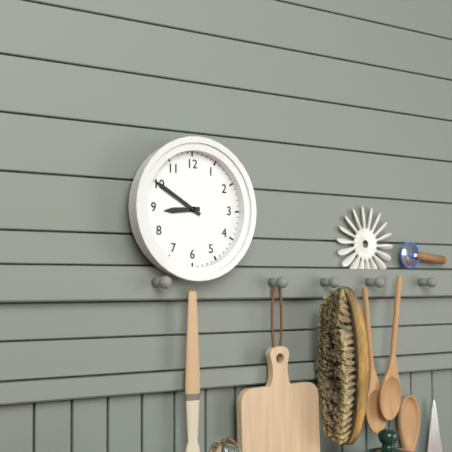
**8:50**
